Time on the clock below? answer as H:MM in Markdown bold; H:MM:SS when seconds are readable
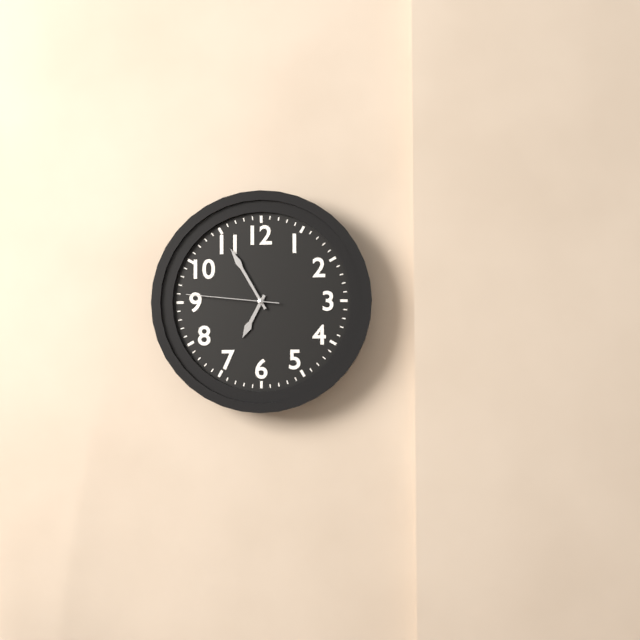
**6:55:46**
